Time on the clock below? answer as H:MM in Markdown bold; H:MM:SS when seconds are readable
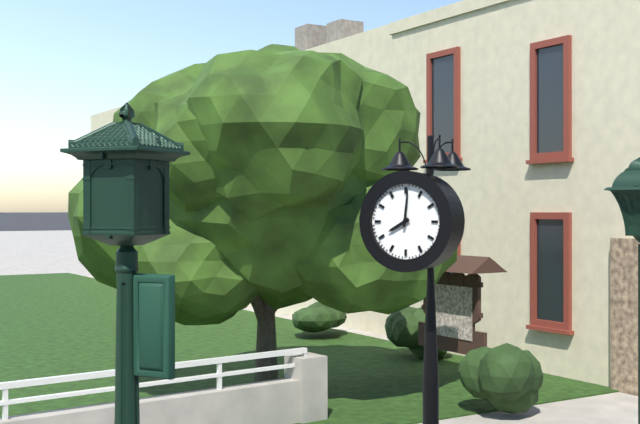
**8:01**
